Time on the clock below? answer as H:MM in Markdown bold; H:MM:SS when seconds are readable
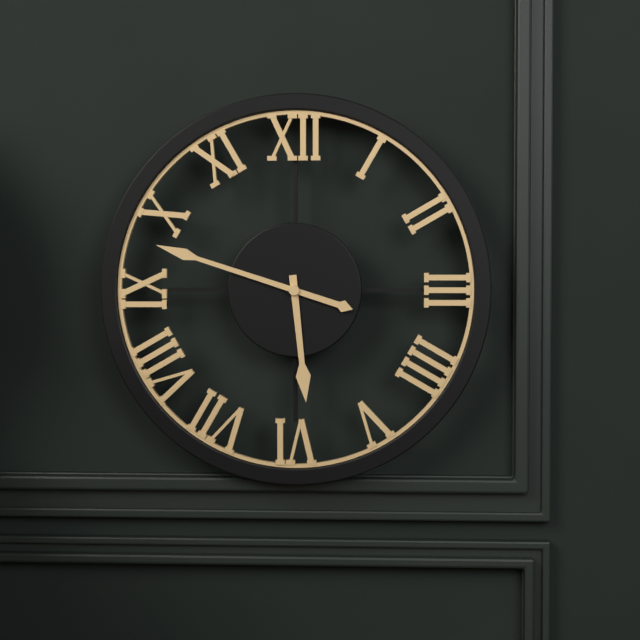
**5:48**
